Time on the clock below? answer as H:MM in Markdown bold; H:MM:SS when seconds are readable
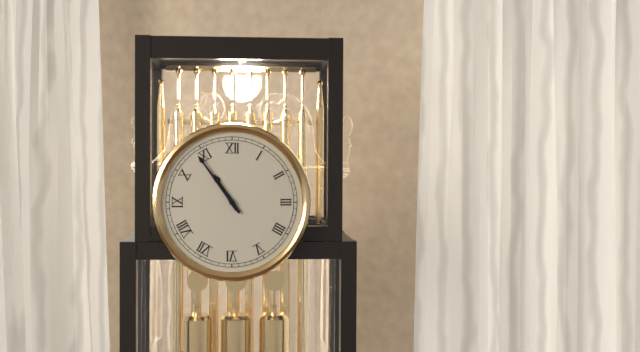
**10:54**
